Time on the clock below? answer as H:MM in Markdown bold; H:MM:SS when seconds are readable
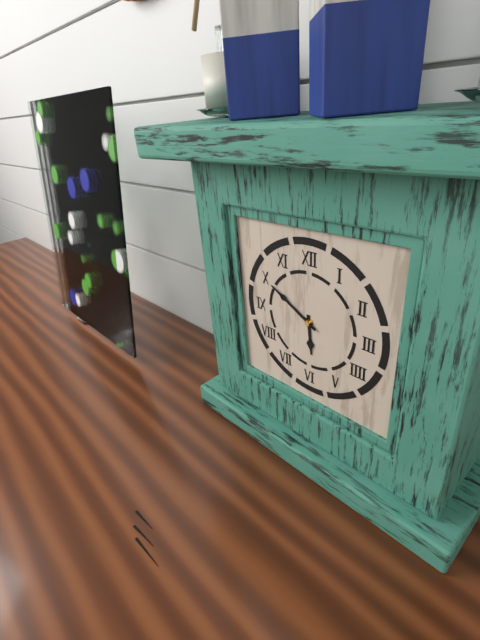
**5:50**
